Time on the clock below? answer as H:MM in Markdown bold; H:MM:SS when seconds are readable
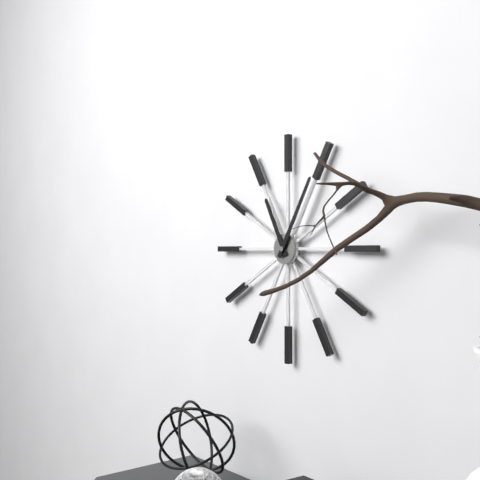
**11:05**
